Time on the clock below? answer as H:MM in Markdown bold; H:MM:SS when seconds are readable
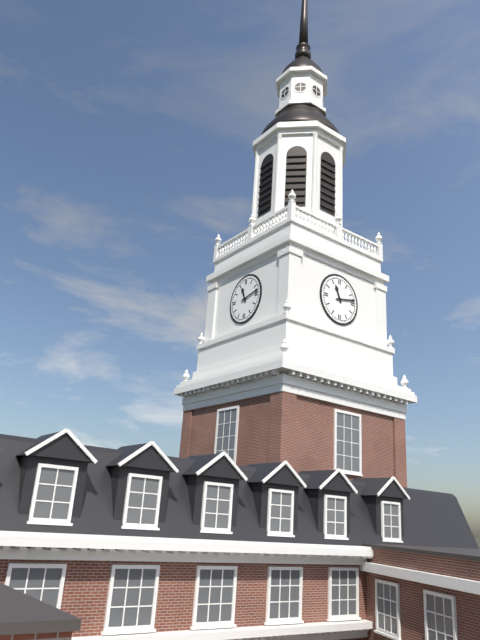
**11:13**
